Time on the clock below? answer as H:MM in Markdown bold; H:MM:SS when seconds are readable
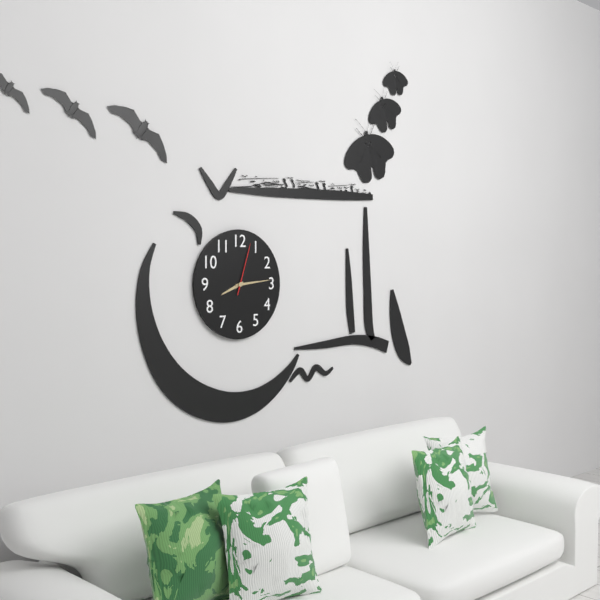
**8:14:03**
